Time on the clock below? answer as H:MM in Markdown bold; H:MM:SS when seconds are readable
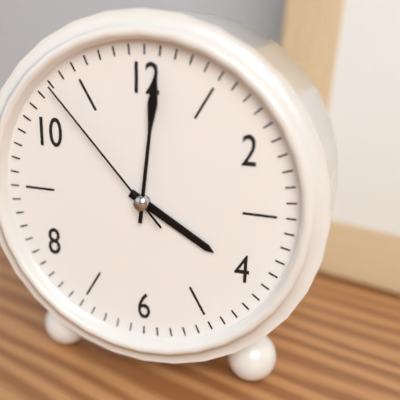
**4:01:53**
